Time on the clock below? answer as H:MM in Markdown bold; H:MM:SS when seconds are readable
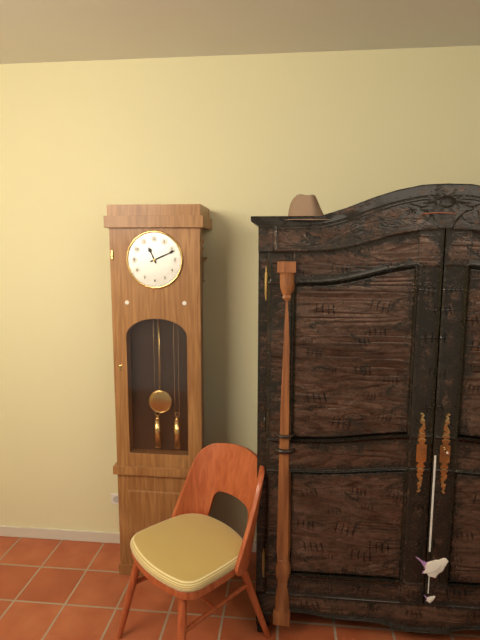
**11:11**
